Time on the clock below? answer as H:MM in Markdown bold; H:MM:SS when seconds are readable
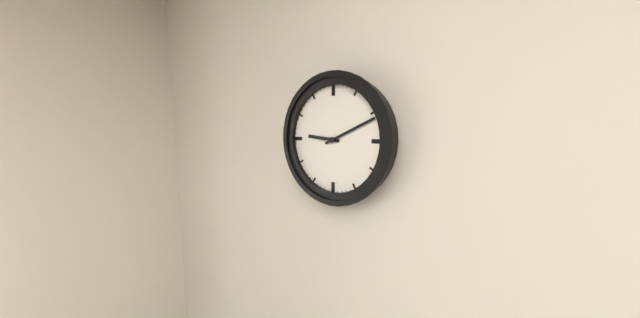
**9:11**
